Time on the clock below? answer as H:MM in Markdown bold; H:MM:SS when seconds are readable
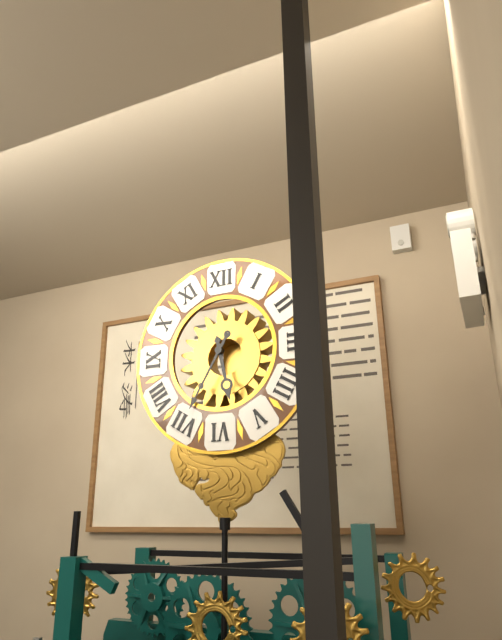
**5:35**
